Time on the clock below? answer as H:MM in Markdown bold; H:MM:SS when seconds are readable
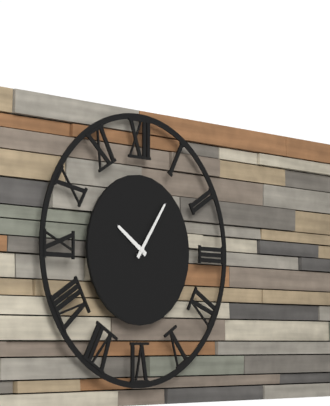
**10:06**
